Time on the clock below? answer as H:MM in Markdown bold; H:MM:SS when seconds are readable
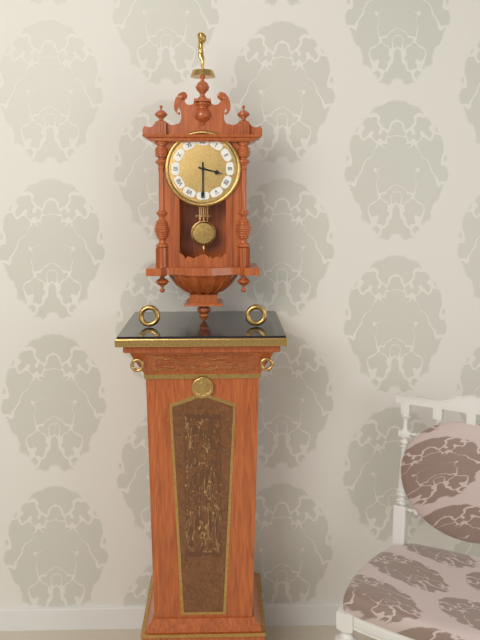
**3:30**
